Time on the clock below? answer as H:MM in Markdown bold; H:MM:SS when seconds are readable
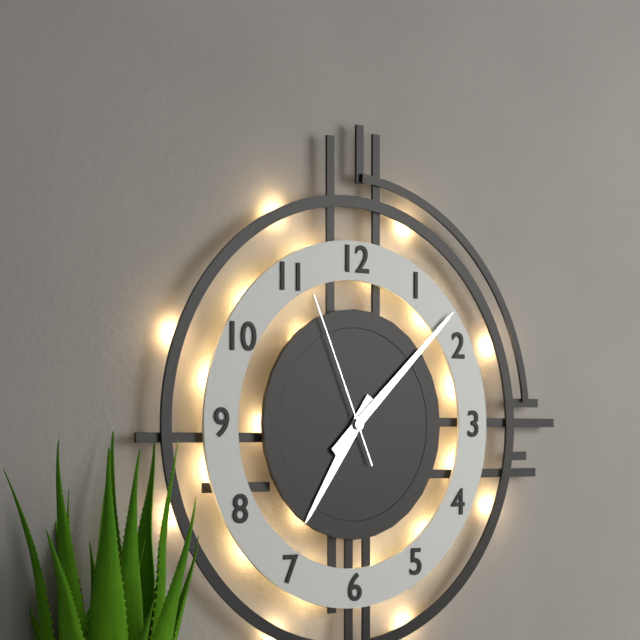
**7:08:56**
